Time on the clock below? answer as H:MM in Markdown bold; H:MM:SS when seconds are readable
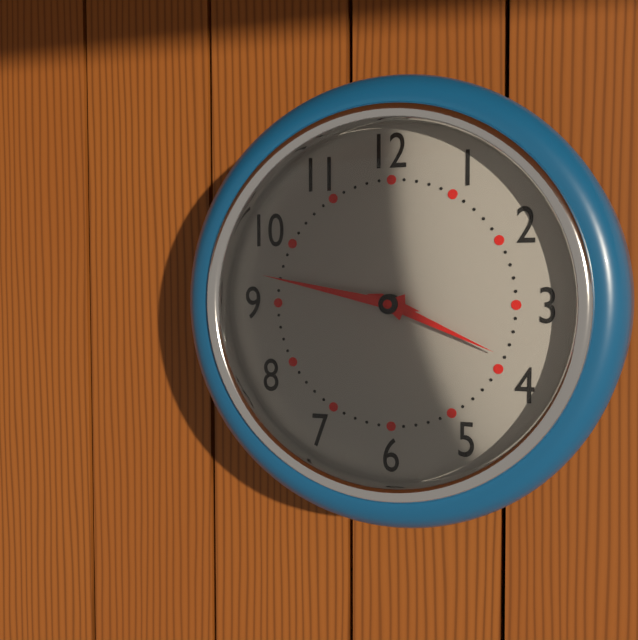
**3:47**
